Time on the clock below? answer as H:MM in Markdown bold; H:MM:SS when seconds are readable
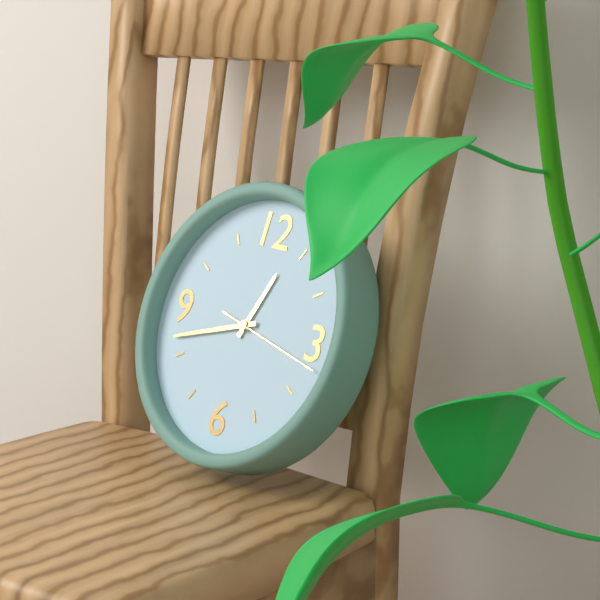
**12:42:17**
